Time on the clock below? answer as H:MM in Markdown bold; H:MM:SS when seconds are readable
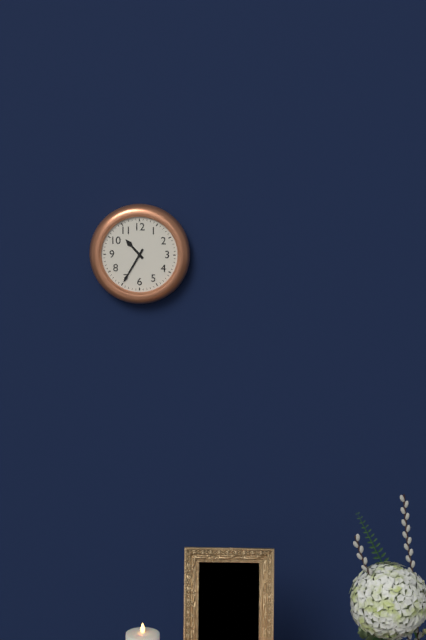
**10:35**
